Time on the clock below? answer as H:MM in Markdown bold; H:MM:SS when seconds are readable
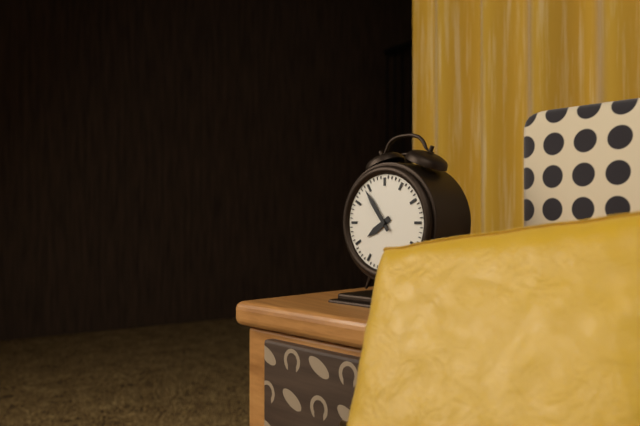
**7:54**
